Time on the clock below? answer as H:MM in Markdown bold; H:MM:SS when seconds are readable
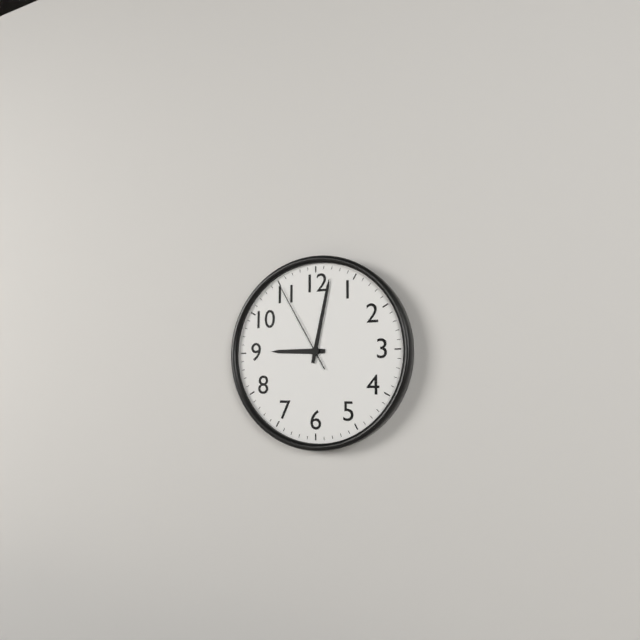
**9:02:55**
